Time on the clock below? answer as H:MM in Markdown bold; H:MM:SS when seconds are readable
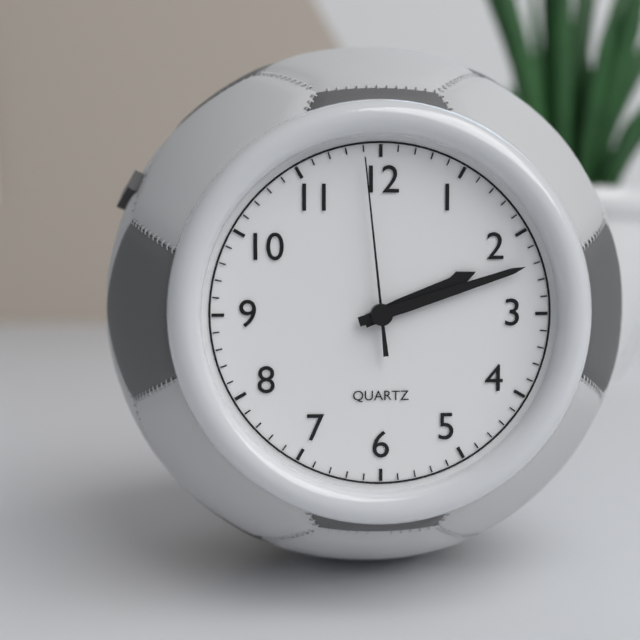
**2:12:59**
